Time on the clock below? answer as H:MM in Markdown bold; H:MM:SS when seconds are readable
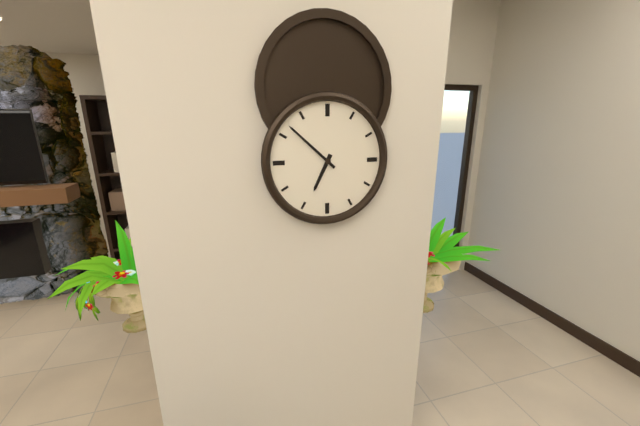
**6:52**
